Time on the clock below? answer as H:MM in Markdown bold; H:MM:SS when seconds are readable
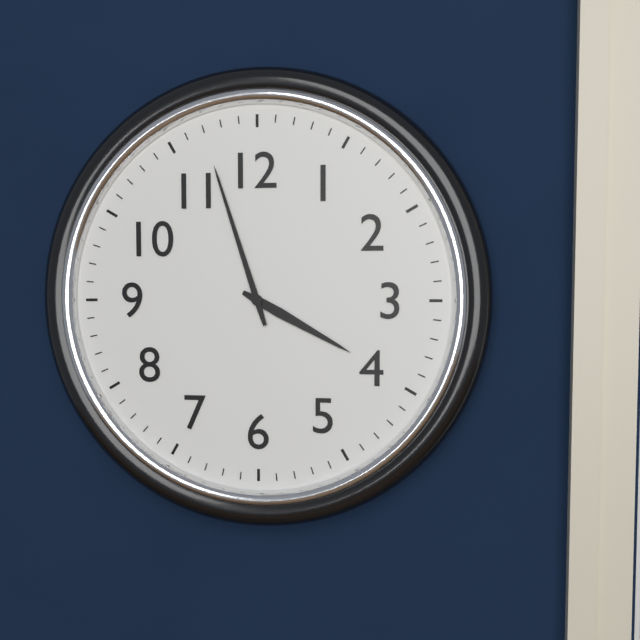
**3:57**
